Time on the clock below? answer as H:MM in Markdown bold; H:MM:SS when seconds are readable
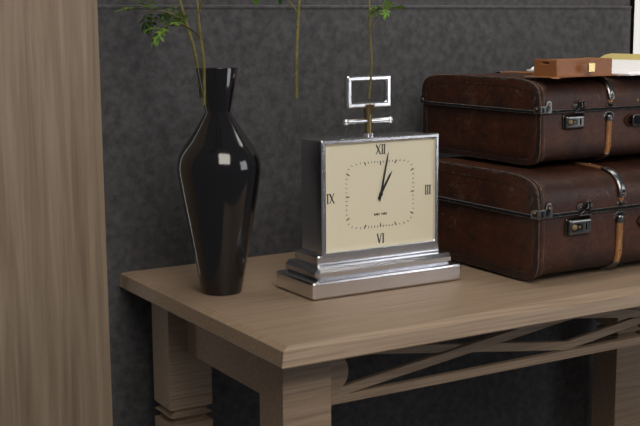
**1:02**
